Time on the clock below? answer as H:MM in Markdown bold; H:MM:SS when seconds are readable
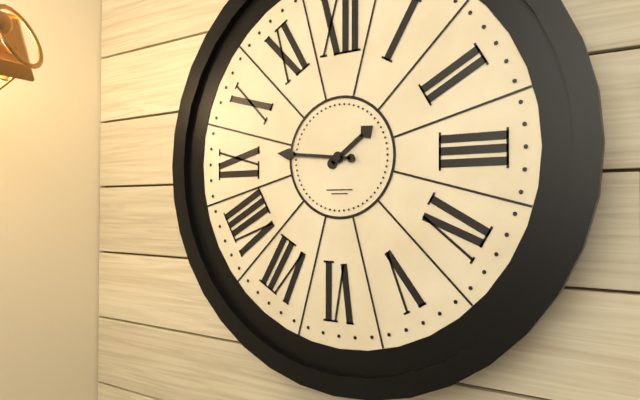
**1:46**
